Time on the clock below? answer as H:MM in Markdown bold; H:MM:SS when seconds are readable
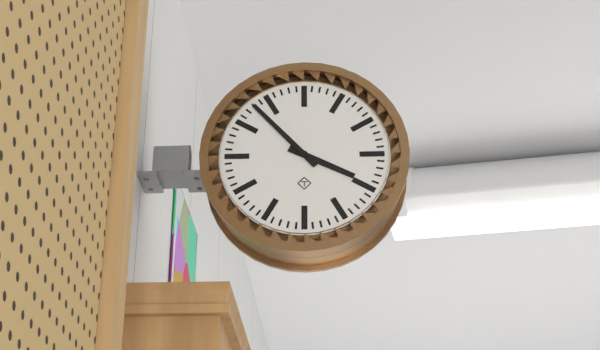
**3:53**
